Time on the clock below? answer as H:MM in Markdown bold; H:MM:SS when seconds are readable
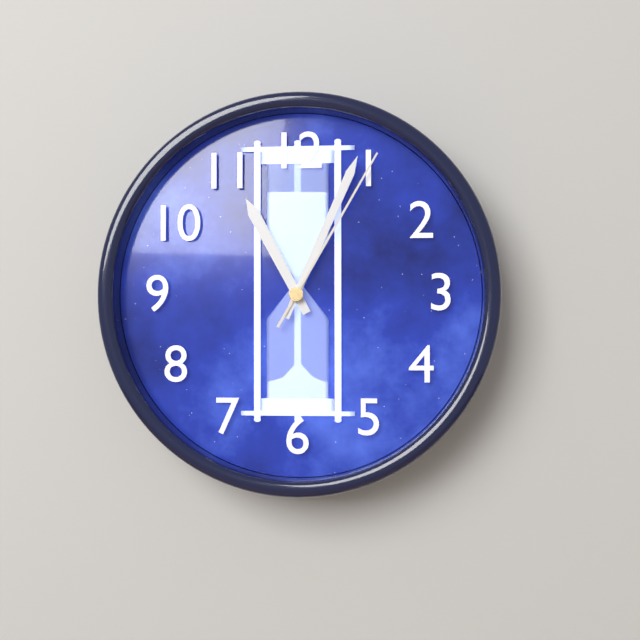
**11:04:05**
